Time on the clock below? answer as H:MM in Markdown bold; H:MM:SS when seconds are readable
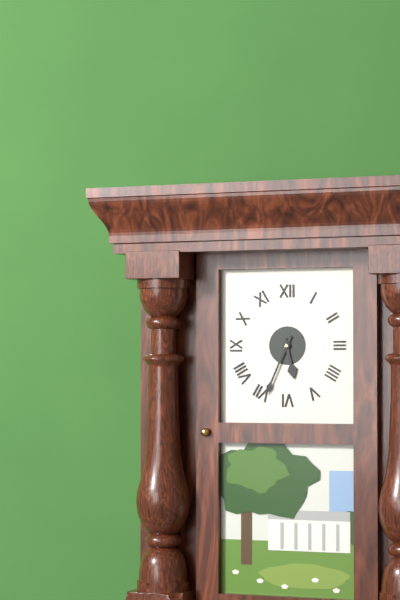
**5:34**
